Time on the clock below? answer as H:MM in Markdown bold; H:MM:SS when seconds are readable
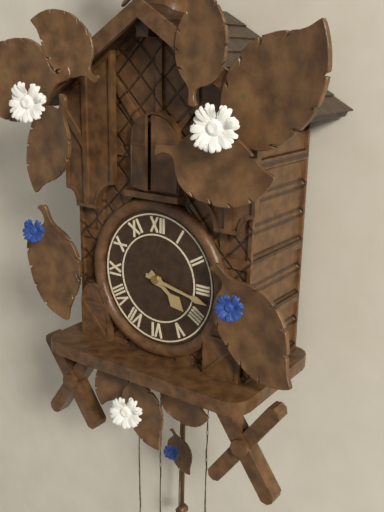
**4:17**
